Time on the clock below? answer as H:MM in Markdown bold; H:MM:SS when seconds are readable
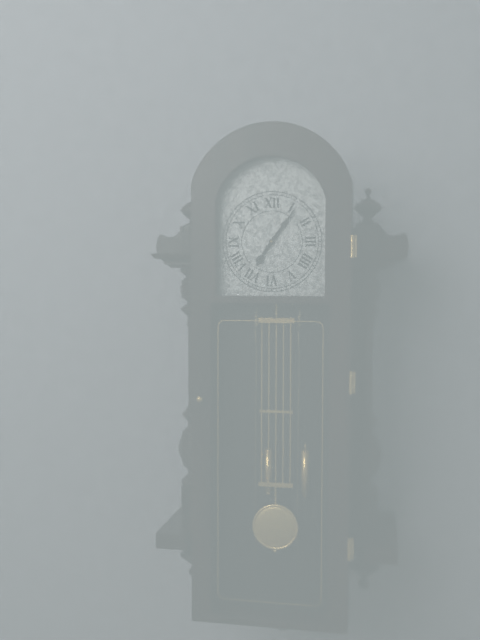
**7:06**
